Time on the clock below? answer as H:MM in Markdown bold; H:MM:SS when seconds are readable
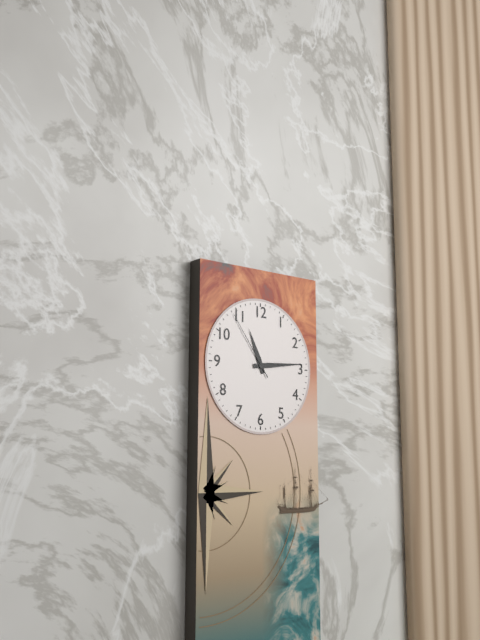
**11:14:54**
